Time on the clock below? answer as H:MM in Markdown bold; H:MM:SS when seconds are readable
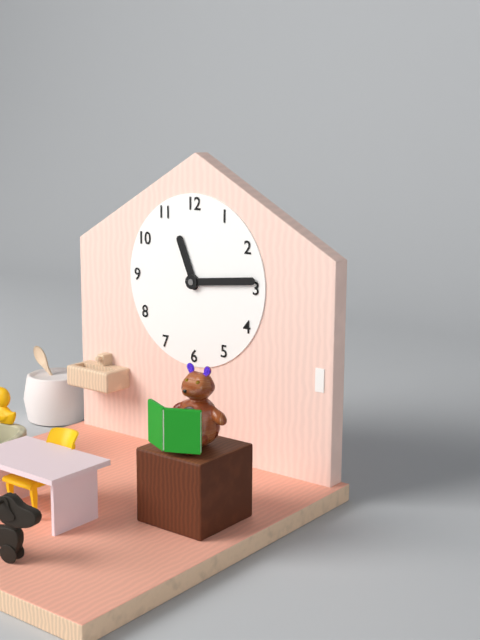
**11:14**
